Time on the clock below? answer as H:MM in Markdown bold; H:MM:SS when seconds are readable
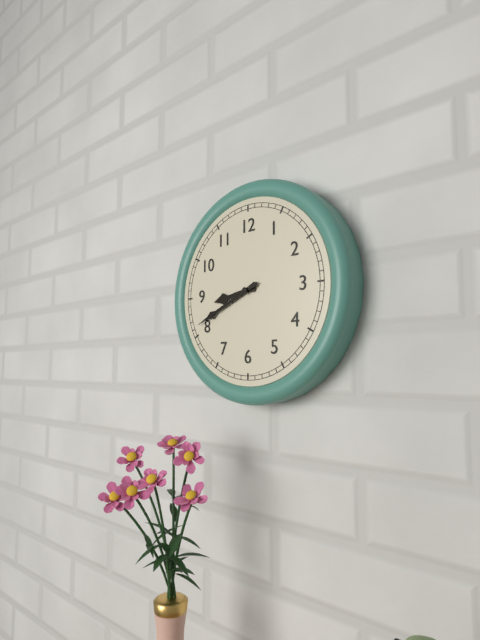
**8:41**
